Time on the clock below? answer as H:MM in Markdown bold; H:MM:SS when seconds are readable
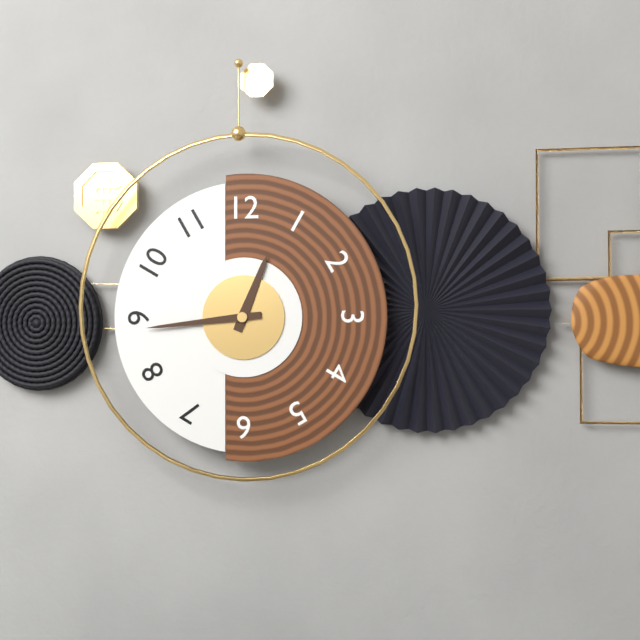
**12:44**
